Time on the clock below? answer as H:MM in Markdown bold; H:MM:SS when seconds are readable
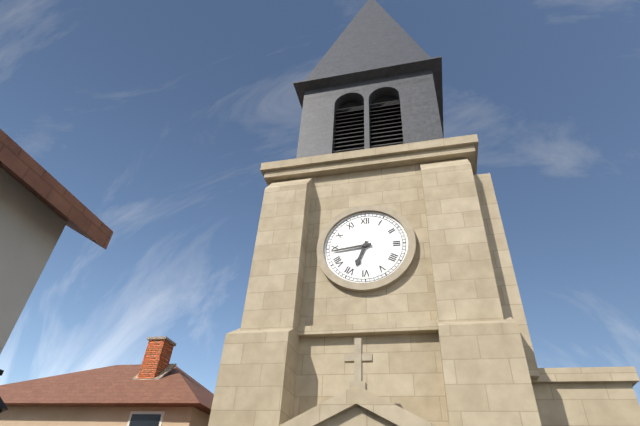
**6:44**
